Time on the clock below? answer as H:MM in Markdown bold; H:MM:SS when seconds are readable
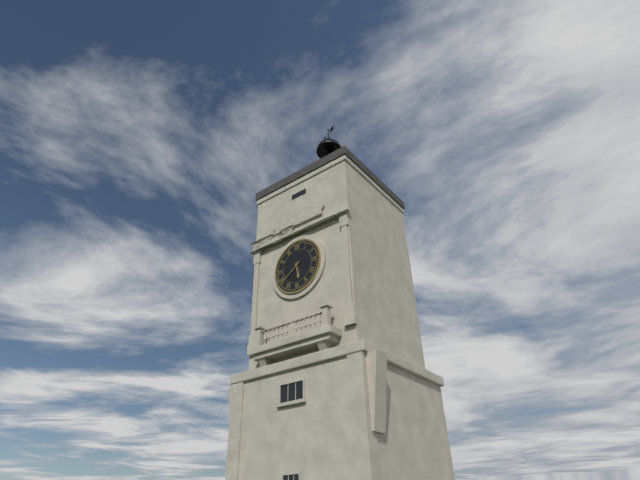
**5:39**
